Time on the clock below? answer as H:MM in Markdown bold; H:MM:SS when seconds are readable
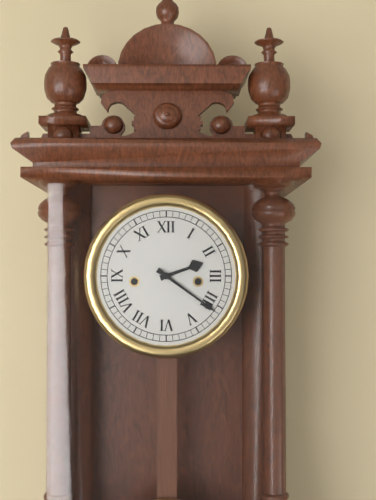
**2:21**
